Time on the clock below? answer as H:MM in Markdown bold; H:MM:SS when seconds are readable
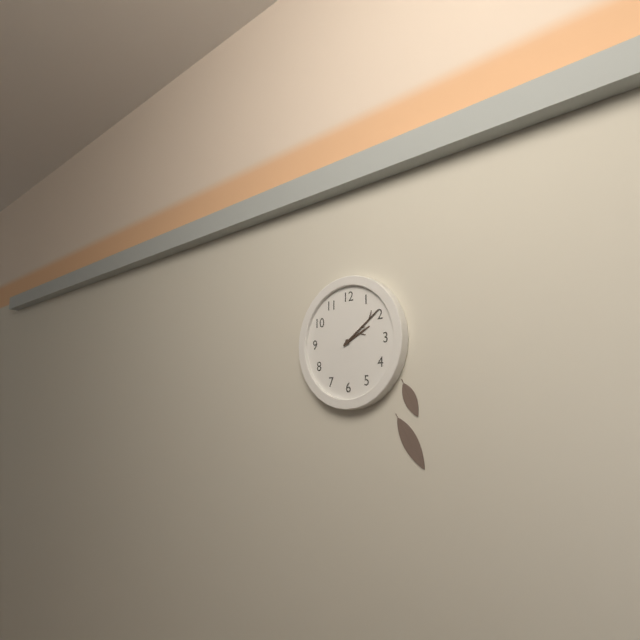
**2:09**
